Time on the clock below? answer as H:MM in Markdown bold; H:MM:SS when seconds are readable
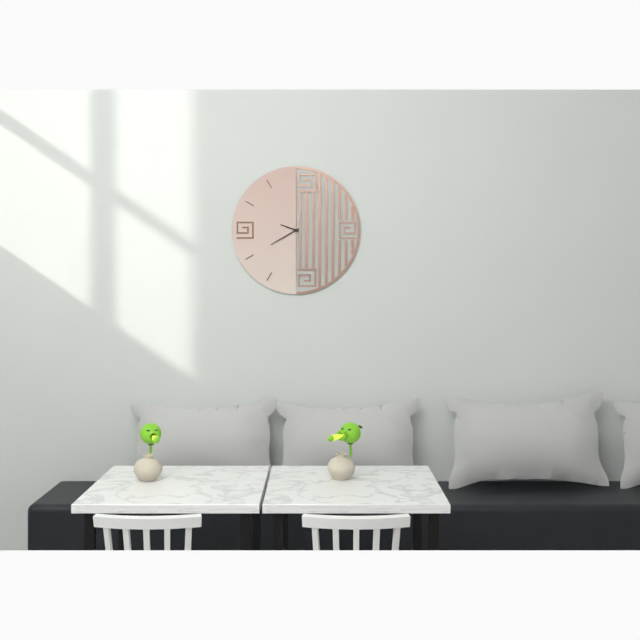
**9:40**
